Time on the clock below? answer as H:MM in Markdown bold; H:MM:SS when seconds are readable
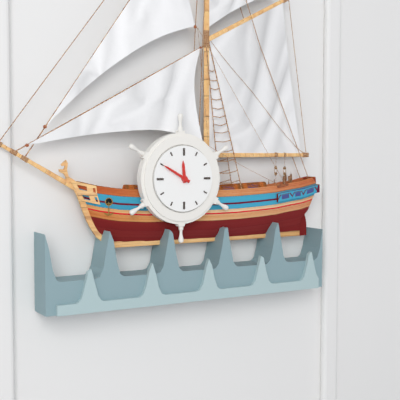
**11:50**
